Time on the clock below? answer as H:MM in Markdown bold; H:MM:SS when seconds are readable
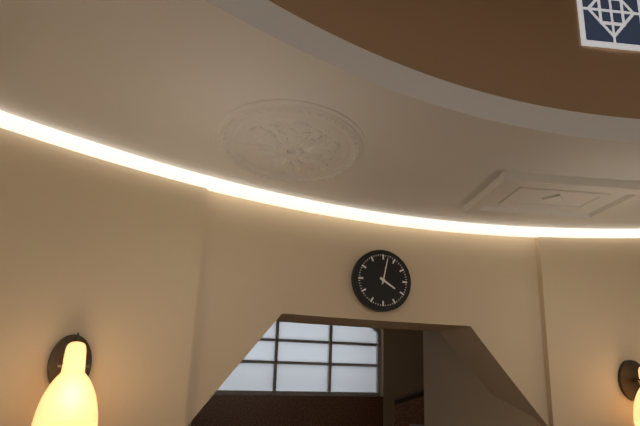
**4:02**
